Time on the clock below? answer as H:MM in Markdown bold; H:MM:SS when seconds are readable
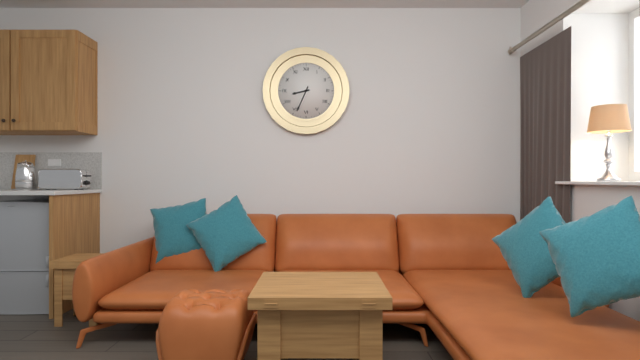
**8:34**
